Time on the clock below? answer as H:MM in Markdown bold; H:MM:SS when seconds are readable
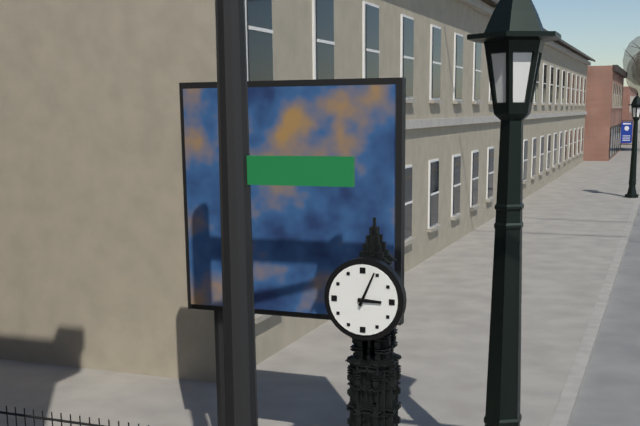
**3:04**
